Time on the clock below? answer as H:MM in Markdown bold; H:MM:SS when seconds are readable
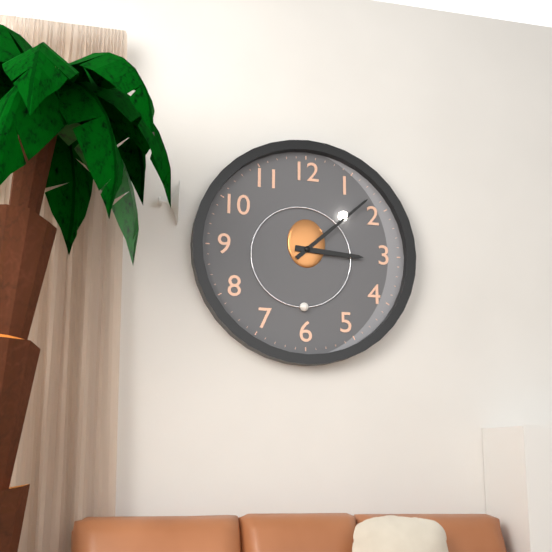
**3:08**
